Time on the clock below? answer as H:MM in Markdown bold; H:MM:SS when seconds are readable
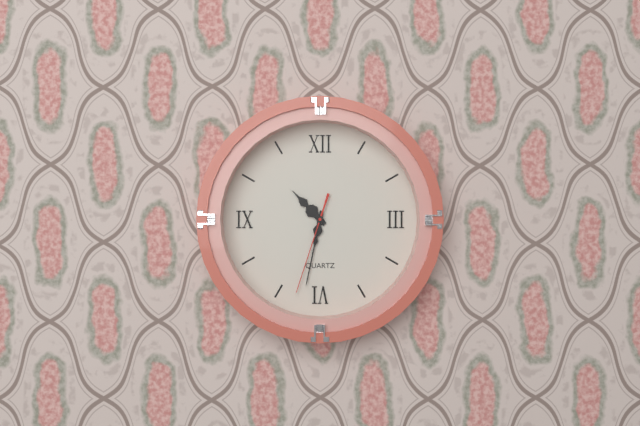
**10:32:33**
